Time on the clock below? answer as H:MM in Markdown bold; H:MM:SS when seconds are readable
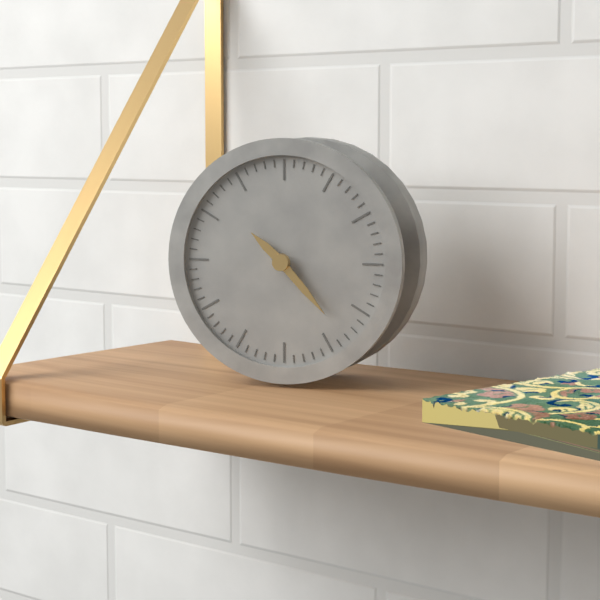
**10:23**
